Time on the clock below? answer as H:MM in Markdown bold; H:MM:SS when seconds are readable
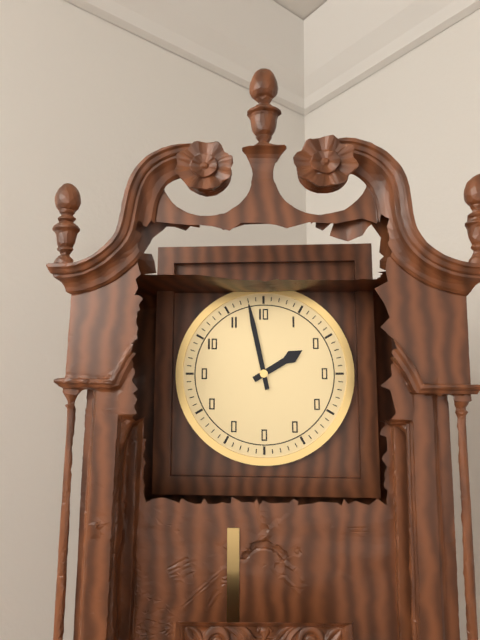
**1:58**
